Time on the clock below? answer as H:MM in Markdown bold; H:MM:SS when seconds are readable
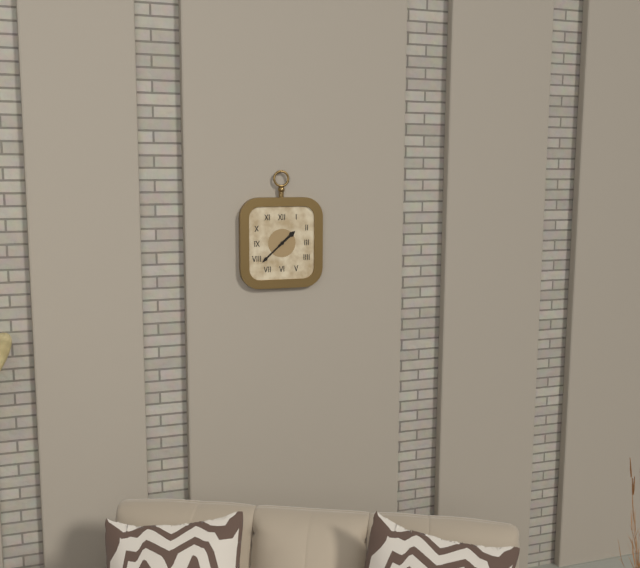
**1:38**
